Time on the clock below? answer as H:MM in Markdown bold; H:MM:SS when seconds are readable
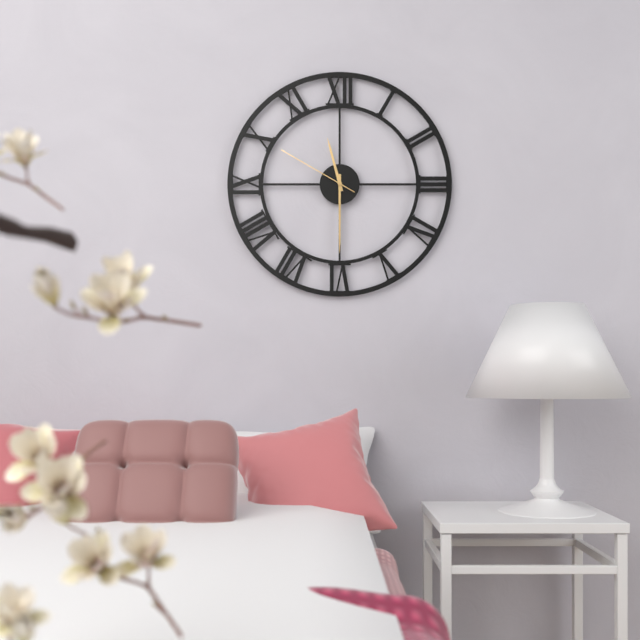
**11:30:50**
